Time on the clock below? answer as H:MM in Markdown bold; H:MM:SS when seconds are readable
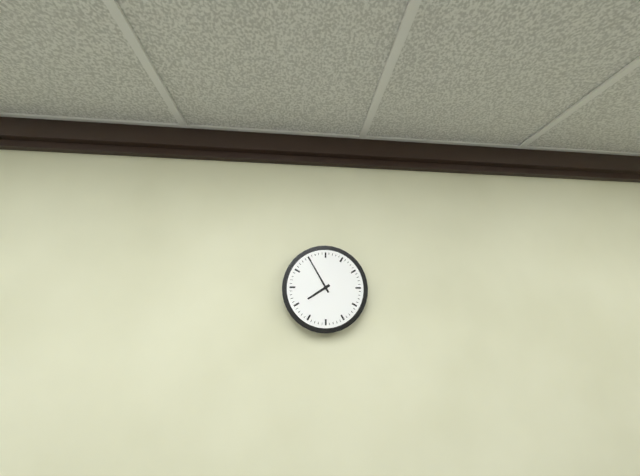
**7:55**
